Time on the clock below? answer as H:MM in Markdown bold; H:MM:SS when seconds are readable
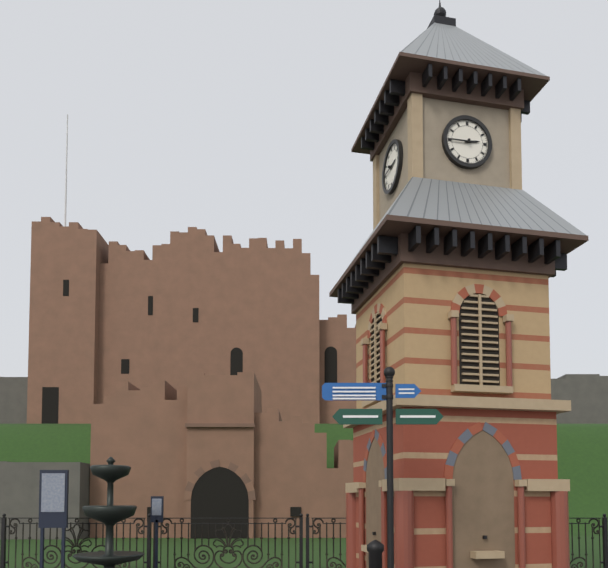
**2:45**
